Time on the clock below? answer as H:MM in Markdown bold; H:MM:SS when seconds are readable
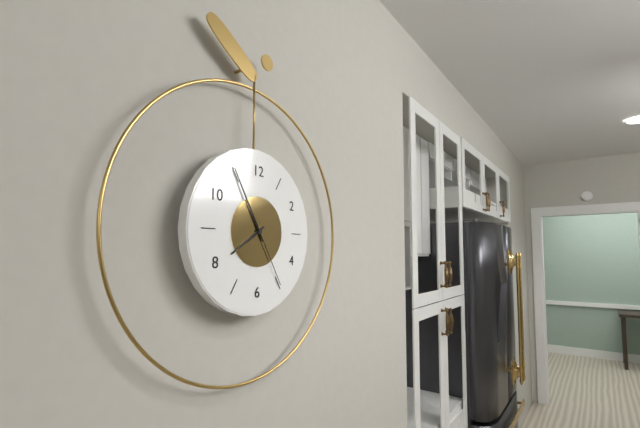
**7:55:25**
